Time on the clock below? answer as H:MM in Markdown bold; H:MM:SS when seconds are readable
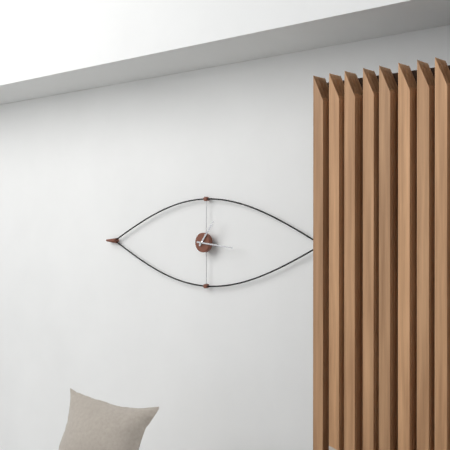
**1:16**
